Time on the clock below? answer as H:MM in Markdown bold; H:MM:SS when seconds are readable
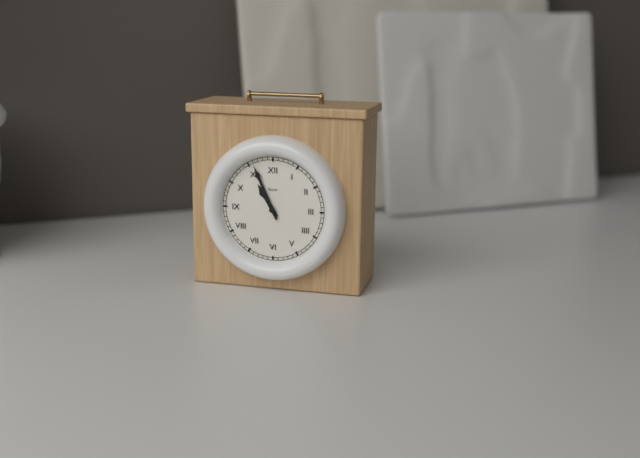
**10:56**
